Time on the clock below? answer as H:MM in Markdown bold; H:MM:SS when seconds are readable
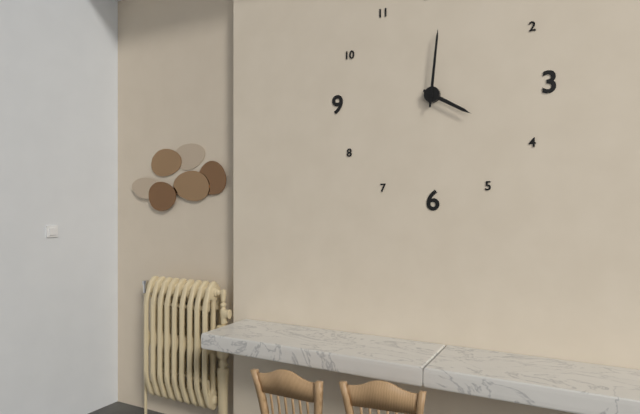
**4:01**
